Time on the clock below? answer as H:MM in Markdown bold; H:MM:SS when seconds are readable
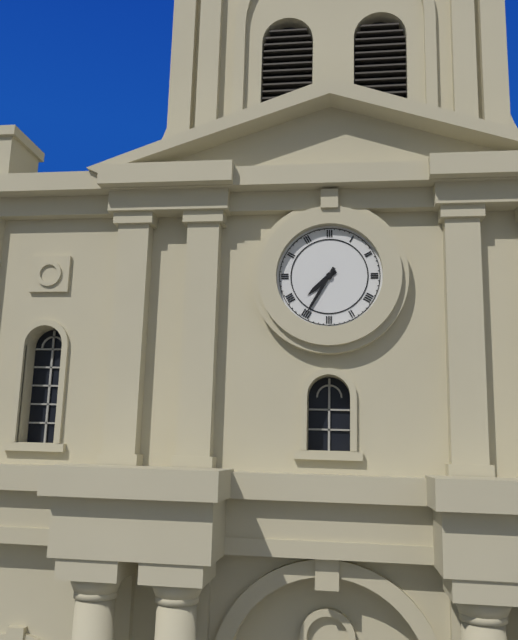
**7:35**
